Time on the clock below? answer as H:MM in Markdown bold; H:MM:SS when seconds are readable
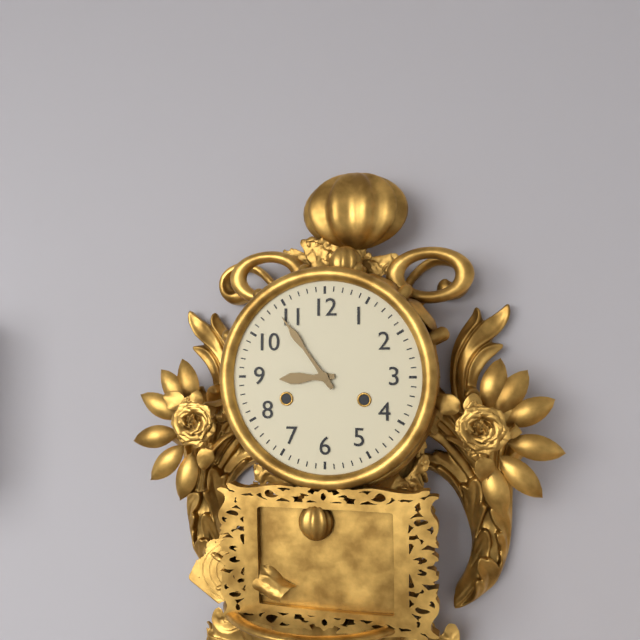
**8:54**
